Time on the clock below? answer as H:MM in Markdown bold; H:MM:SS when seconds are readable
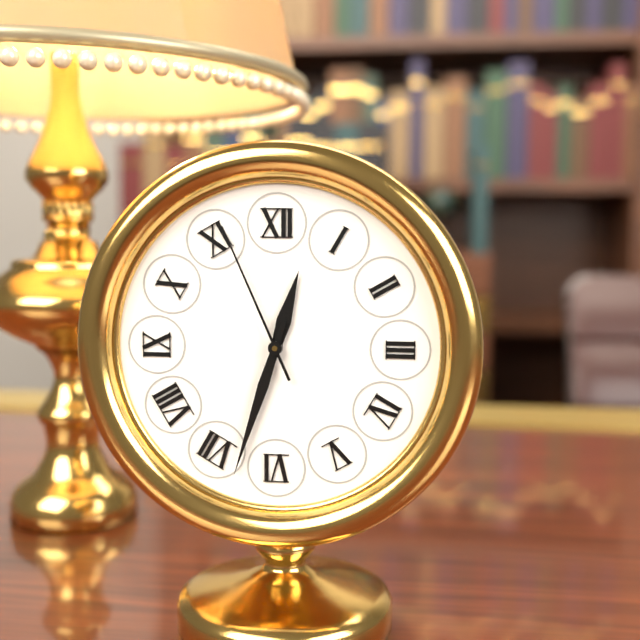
**12:33:56**
